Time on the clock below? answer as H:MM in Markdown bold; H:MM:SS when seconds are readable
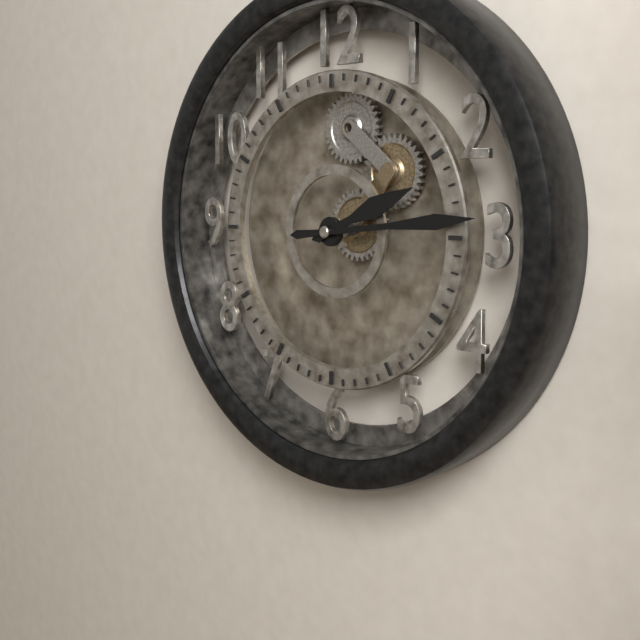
**2:14**
